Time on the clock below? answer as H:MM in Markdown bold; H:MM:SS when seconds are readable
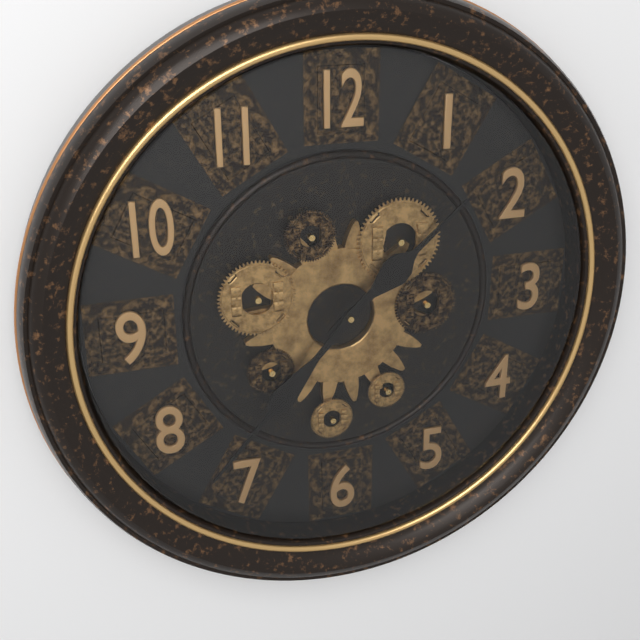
**1:37**
